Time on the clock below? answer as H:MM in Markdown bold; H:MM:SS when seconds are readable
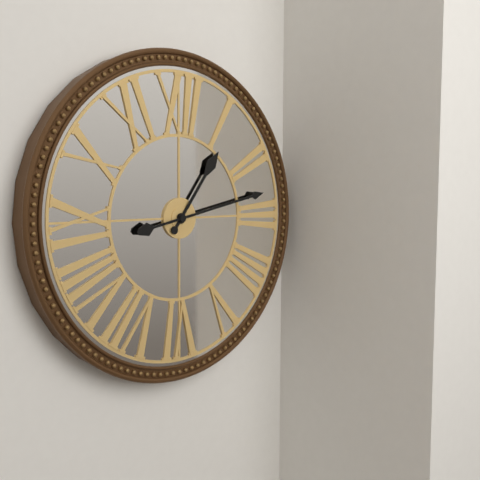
**1:13**
